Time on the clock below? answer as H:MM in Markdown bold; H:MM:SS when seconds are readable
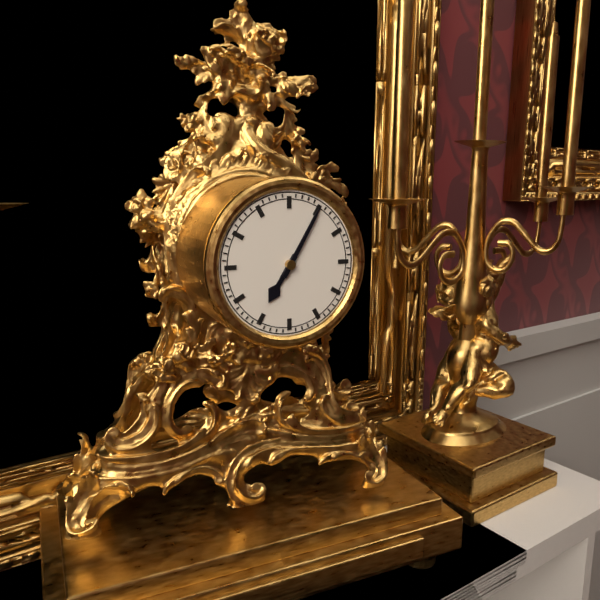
**7:05**
